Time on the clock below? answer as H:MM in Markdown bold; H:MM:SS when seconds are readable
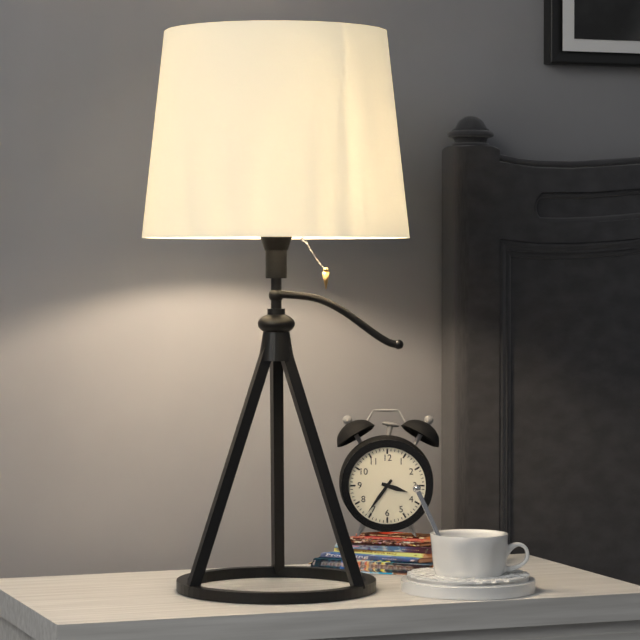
**3:36**
